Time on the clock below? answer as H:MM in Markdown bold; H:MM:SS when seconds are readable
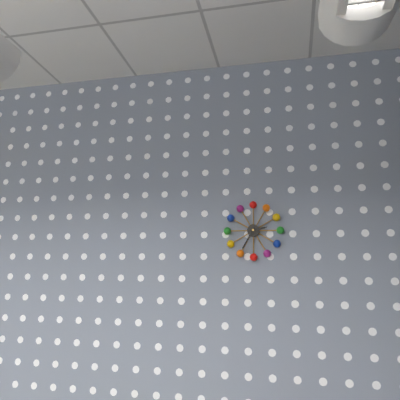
**2:35**
